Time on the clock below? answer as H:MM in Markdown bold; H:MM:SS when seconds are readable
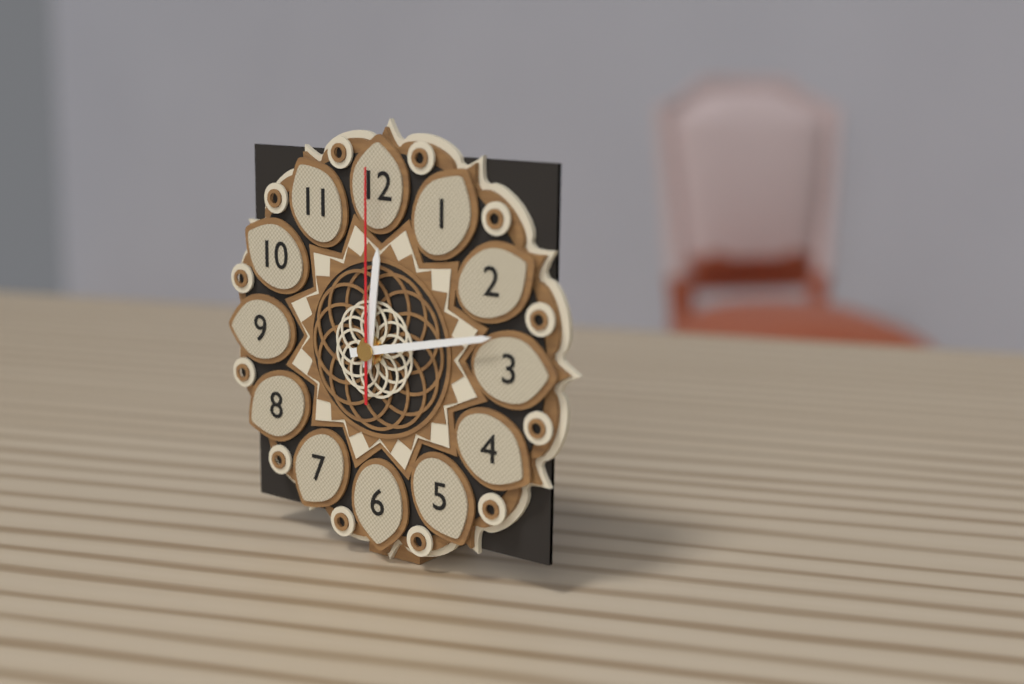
**12:13:00**
